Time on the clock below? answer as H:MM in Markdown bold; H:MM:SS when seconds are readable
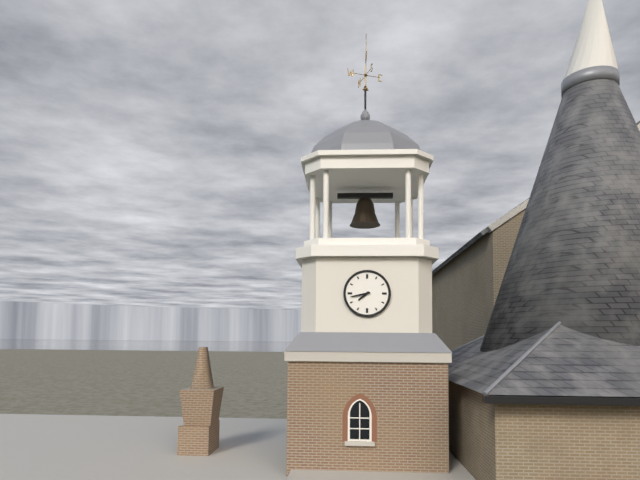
**7:43**
